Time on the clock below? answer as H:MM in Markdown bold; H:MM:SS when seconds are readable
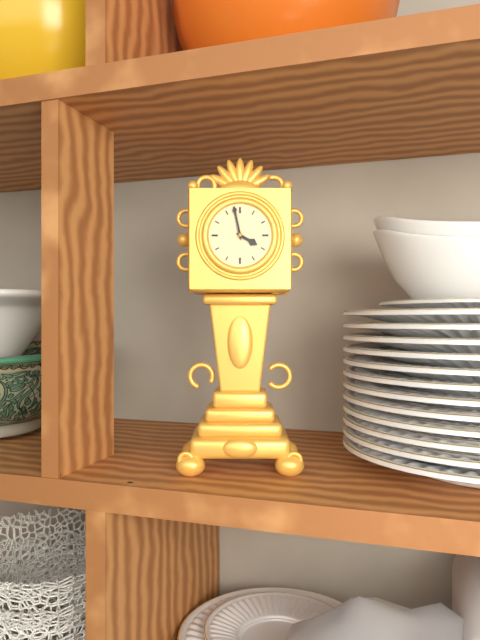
**3:58**
